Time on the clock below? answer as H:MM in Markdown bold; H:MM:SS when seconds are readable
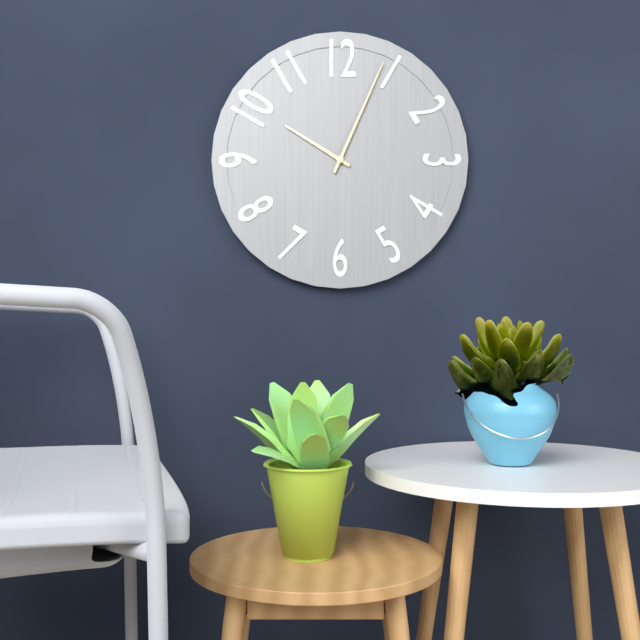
**10:04**
